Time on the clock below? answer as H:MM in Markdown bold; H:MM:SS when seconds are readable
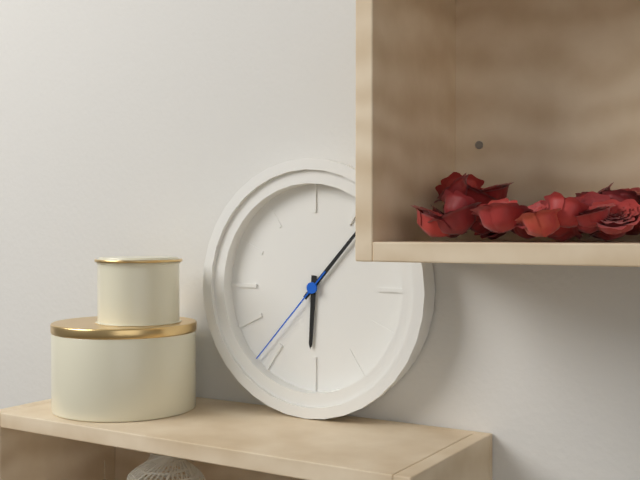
**6:07:37**
